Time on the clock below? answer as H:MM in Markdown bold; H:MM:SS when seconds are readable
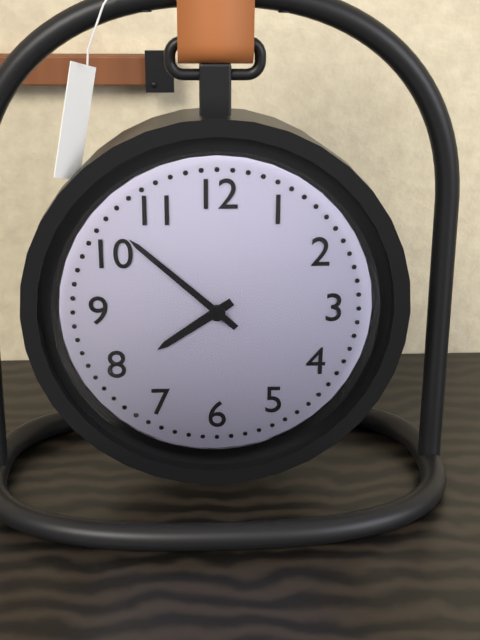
**7:52**
